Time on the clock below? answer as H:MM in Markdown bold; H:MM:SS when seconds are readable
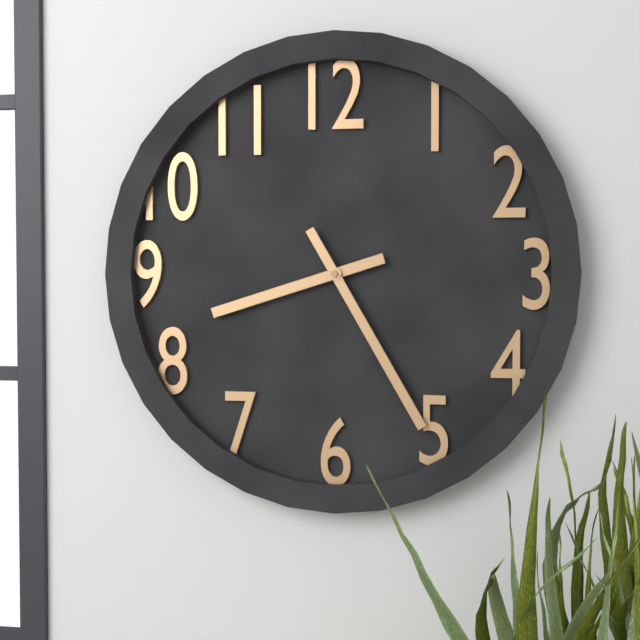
**8:25**
